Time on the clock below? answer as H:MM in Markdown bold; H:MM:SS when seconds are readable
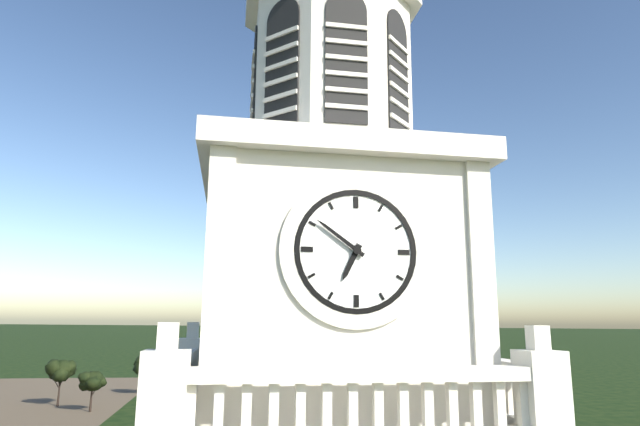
**6:51**
